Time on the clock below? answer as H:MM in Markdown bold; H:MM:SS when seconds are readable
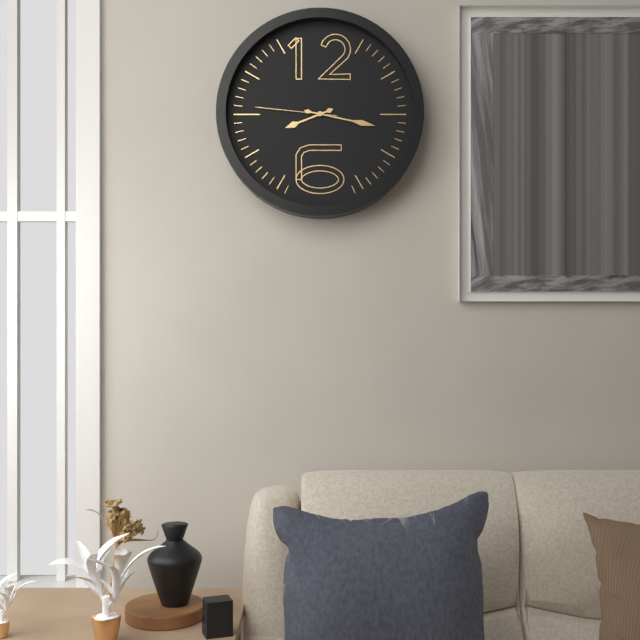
**8:17:46**
